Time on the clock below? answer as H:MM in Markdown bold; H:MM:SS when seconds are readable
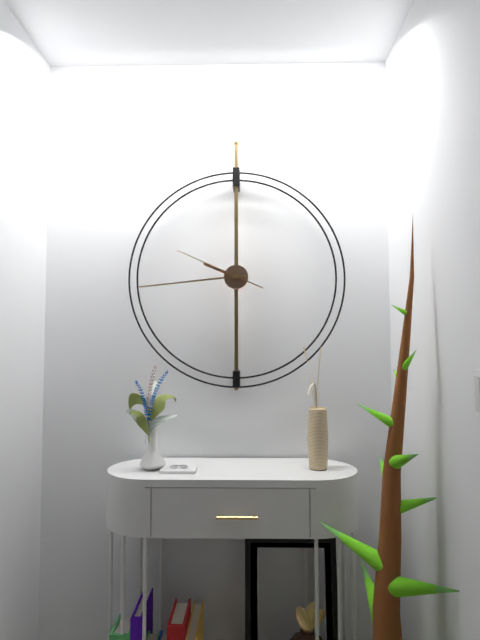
**9:44:49**
